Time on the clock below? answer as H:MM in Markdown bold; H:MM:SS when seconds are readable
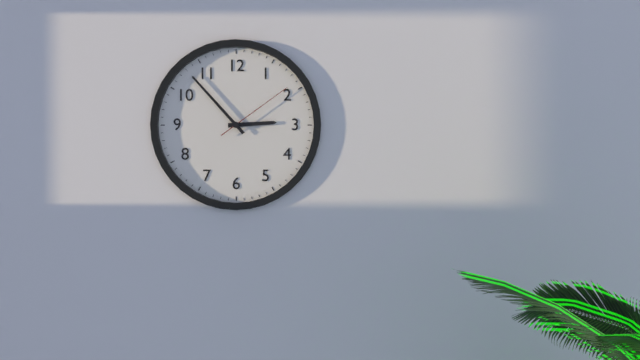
**2:53:09**
